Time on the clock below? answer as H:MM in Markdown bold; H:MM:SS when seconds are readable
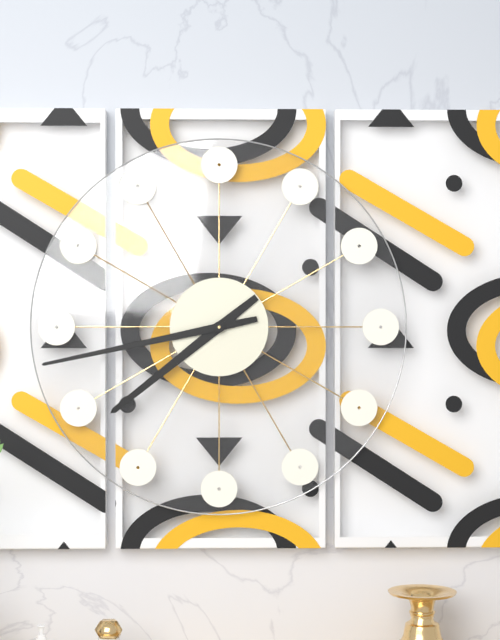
**7:43**
